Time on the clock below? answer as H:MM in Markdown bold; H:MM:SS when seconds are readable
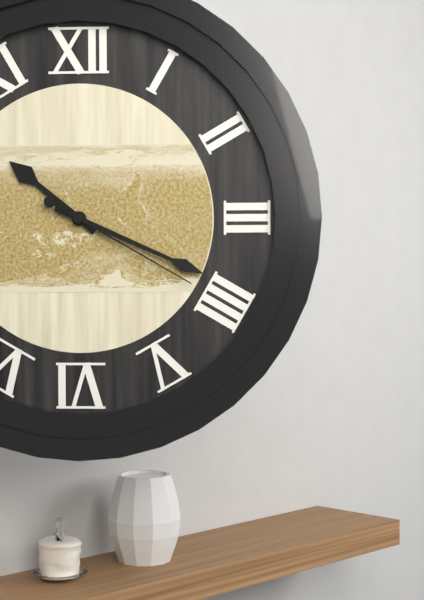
**10:19:20**
